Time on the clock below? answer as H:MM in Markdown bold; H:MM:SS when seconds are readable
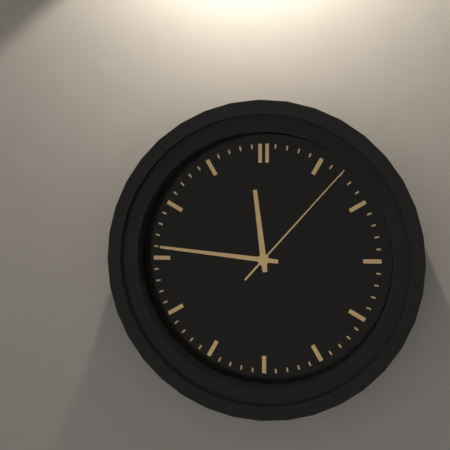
**11:46:07**
